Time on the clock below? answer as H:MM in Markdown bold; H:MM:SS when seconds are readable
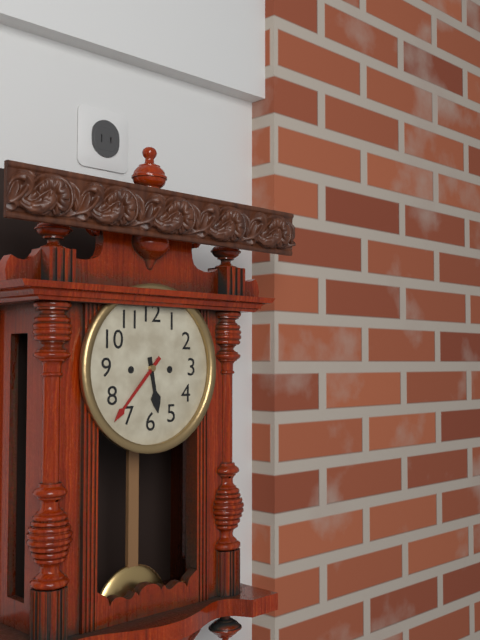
**5:37**
